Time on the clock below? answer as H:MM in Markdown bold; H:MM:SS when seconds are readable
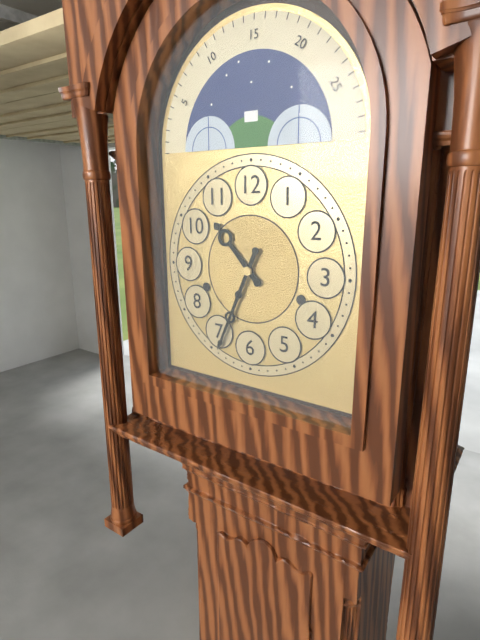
**10:34**
